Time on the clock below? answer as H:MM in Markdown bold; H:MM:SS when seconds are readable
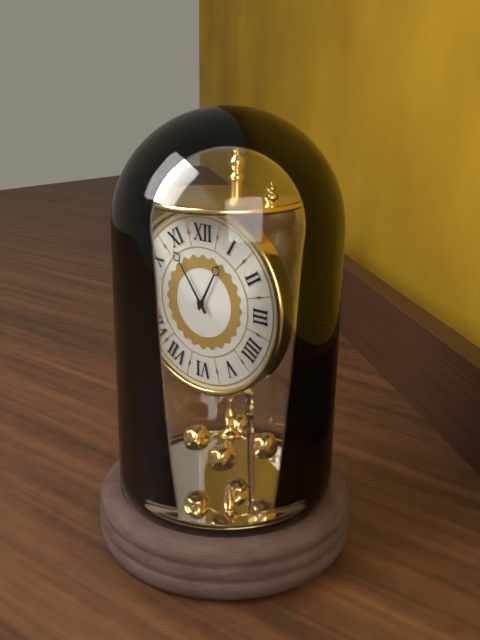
**12:54**
